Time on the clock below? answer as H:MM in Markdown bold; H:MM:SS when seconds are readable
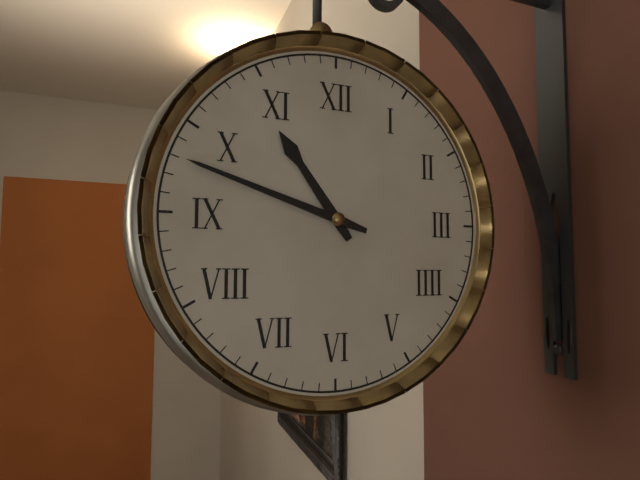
**10:48**
